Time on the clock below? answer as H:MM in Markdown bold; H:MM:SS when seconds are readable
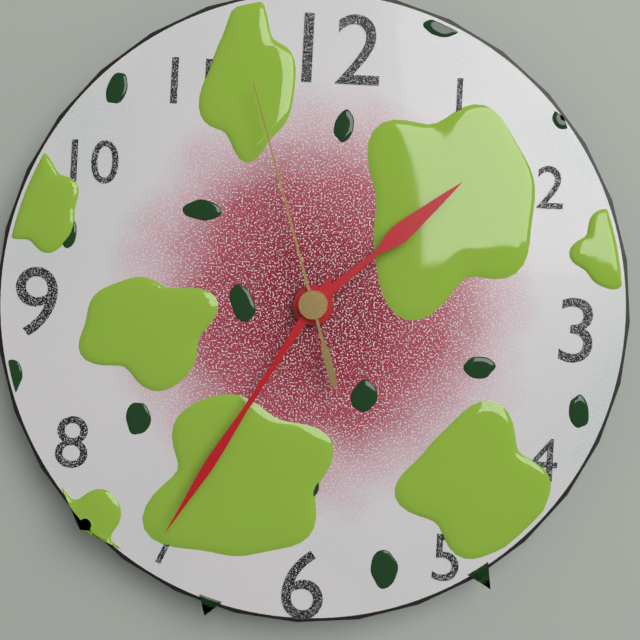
**1:35:57**
